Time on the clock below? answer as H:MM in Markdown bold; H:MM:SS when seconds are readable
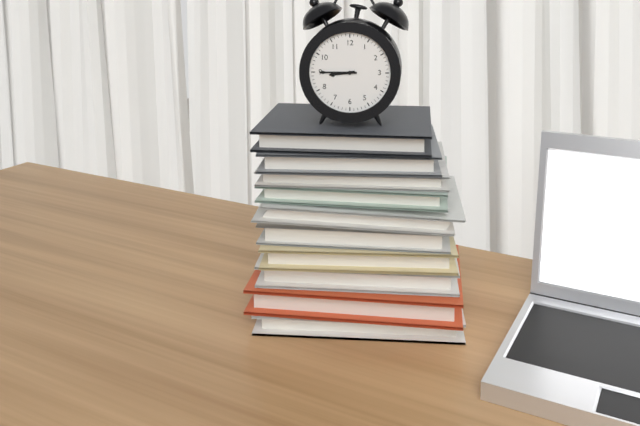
**8:45**
